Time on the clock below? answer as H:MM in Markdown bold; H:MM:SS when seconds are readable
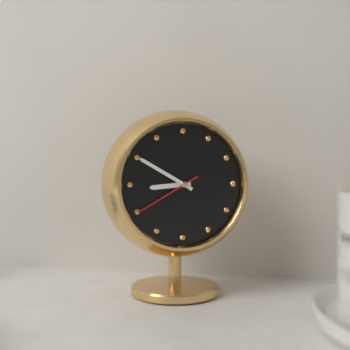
**8:50:40**
